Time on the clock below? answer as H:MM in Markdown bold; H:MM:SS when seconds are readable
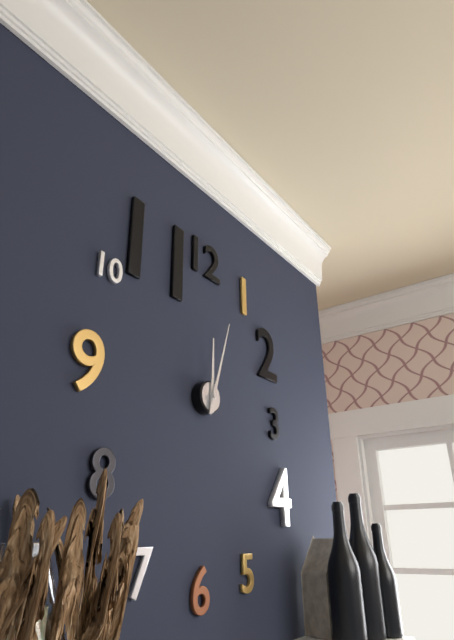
**12:03**
